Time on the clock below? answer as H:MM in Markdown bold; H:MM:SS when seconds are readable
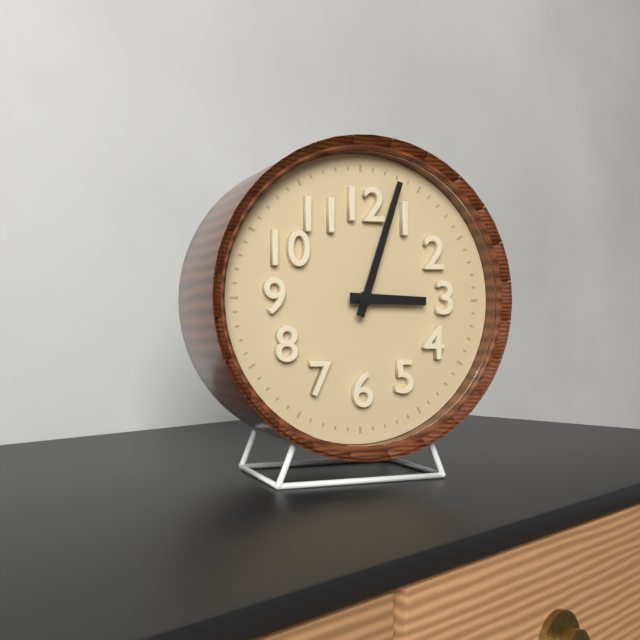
**3:03**
